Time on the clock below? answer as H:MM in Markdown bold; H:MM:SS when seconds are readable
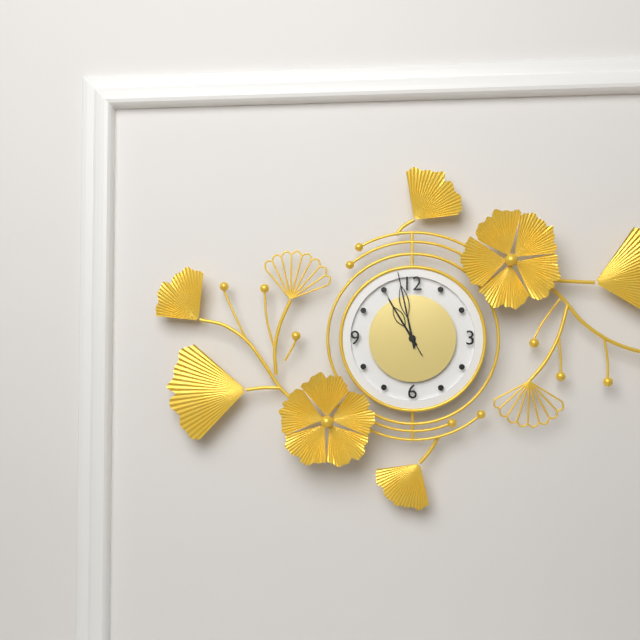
**10:58:55**
